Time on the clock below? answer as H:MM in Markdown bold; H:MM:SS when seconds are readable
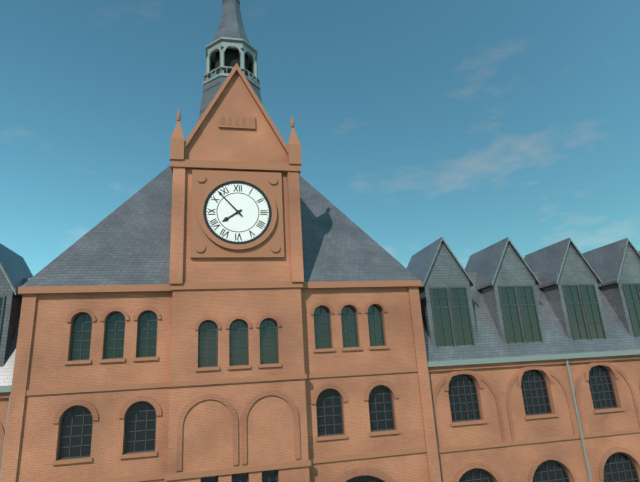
**7:53**
